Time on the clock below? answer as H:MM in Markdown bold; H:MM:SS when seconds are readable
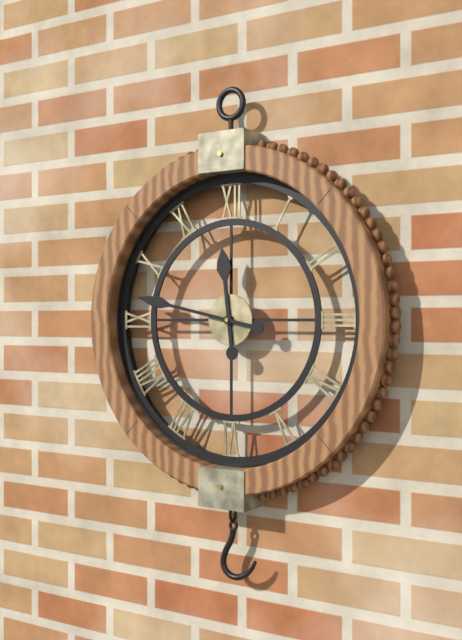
**11:47**
